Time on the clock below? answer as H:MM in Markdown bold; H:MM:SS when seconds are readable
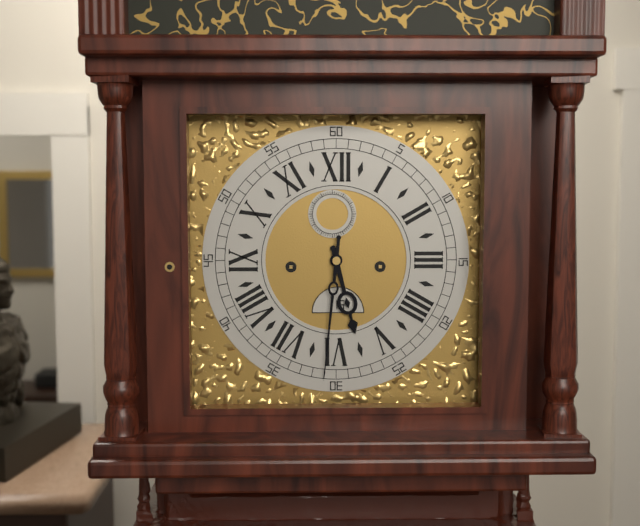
**5:31**
